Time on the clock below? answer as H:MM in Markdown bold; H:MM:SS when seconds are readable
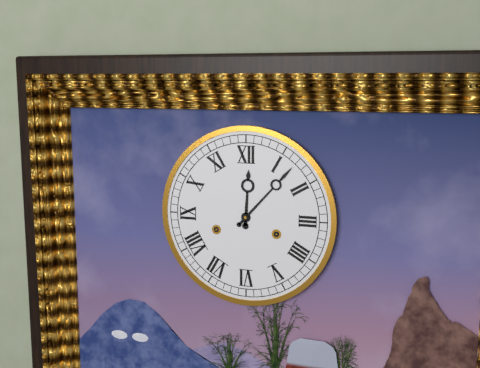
**12:07**
